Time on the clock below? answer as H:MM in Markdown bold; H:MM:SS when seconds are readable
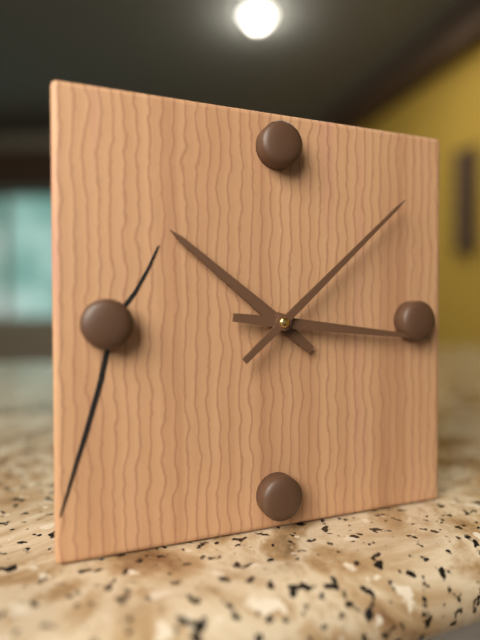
**10:16:08**
